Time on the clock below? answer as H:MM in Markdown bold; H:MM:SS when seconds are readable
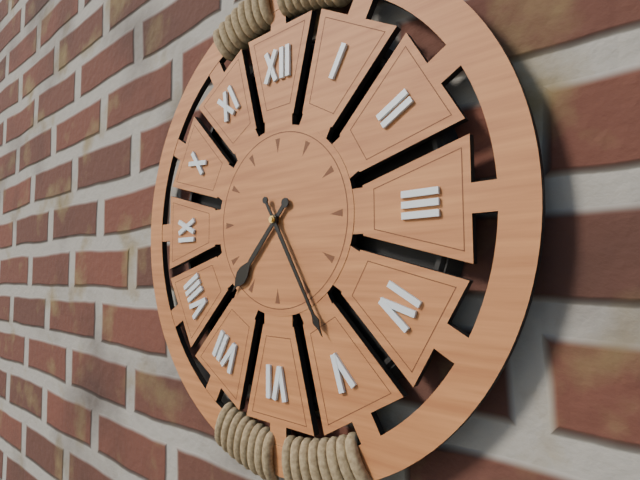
**7:25**
